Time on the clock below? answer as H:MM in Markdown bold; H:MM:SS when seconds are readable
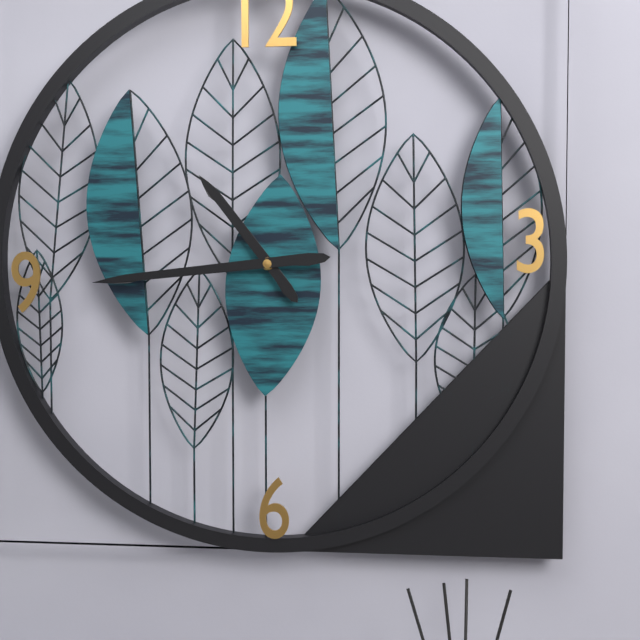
**10:44**
